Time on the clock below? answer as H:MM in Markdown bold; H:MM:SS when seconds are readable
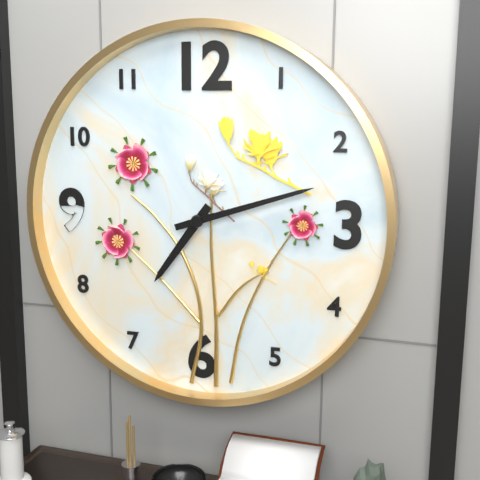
**7:12**
